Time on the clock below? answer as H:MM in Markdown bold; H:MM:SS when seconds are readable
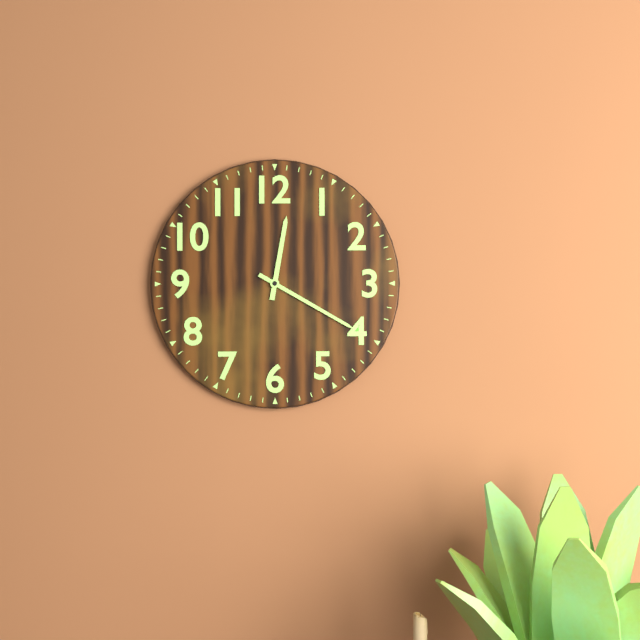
**12:20**
